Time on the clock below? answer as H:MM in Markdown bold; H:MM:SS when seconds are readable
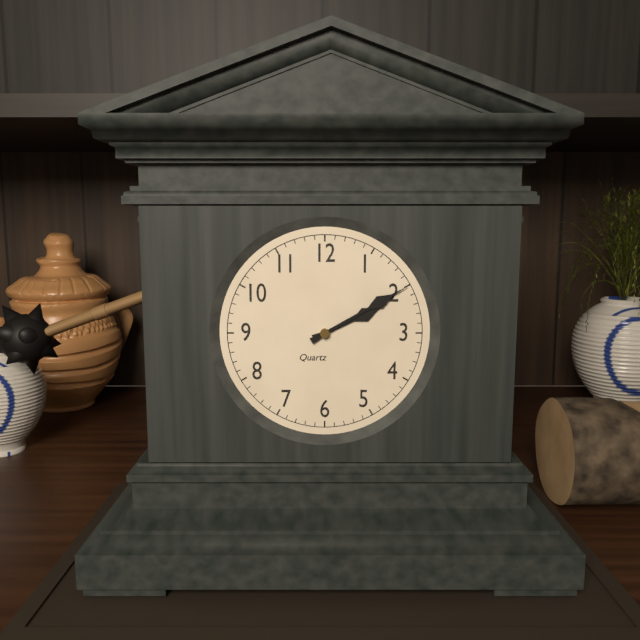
**2:10**
